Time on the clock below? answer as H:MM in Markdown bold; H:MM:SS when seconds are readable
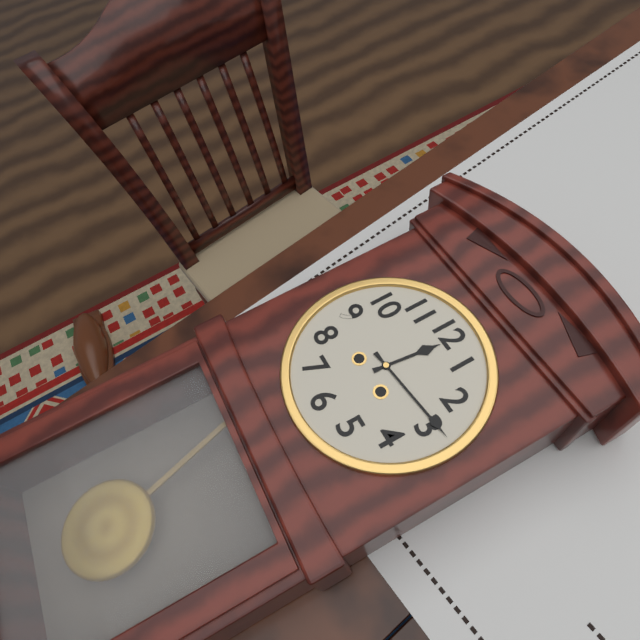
**12:14**
